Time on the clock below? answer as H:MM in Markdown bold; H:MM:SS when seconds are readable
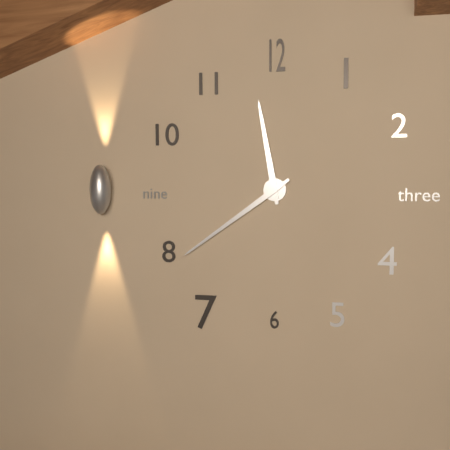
**11:39**
